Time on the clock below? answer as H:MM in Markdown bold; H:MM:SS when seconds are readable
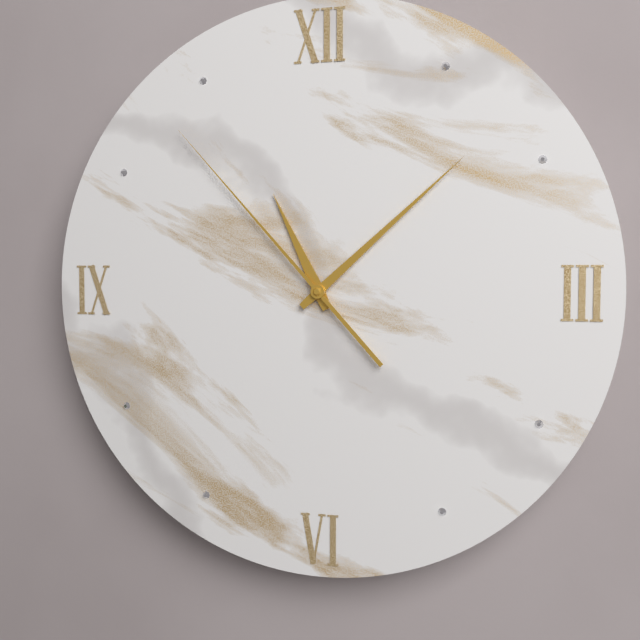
**11:08:53**
